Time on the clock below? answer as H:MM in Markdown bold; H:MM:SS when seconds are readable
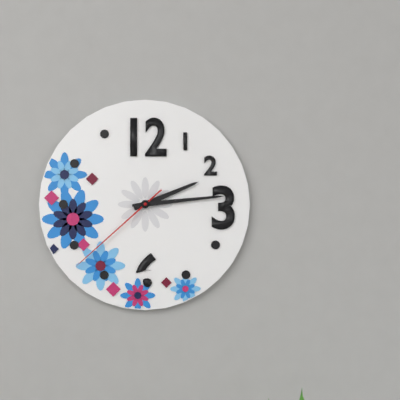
**2:14:38**
